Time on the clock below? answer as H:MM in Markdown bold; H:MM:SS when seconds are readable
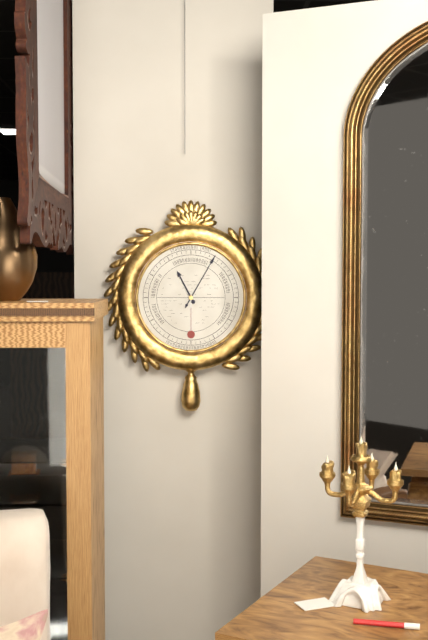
**11:05**
